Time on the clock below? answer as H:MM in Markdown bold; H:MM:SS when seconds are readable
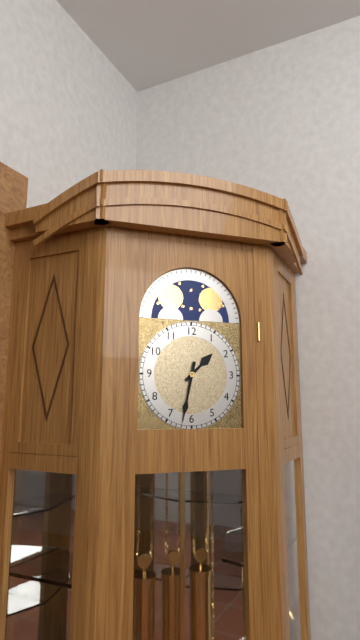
**1:32**
